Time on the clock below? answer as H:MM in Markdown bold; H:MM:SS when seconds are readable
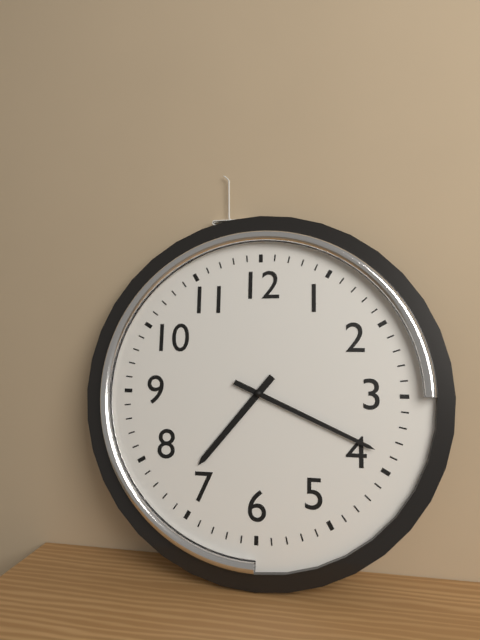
**7:19**
